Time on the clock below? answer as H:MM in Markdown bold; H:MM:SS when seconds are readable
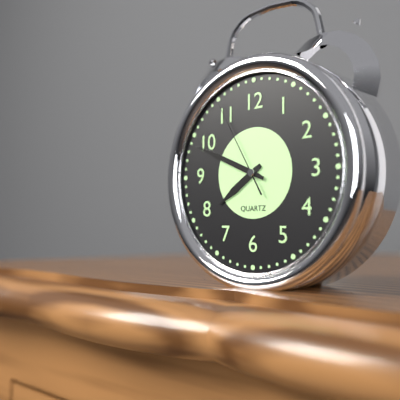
**7:49:55**
